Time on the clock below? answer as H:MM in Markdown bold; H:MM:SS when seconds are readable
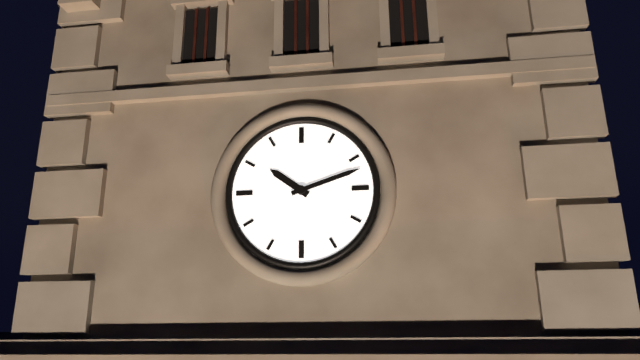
**10:12**
